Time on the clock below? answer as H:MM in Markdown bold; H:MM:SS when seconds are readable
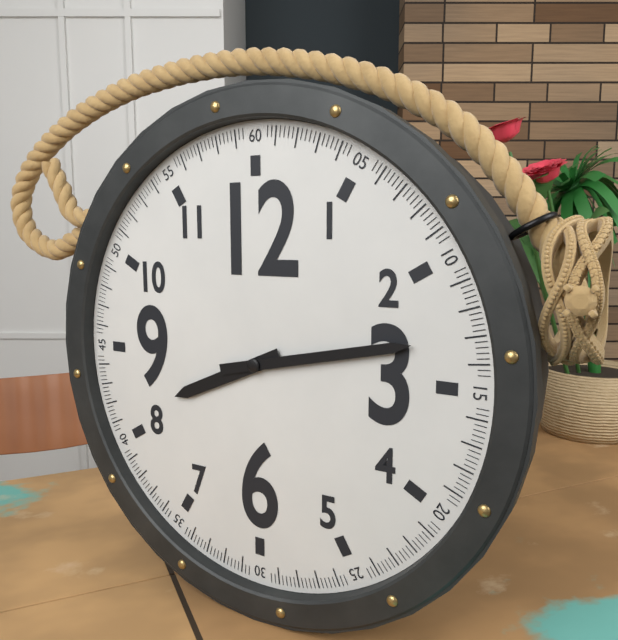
**8:13**
